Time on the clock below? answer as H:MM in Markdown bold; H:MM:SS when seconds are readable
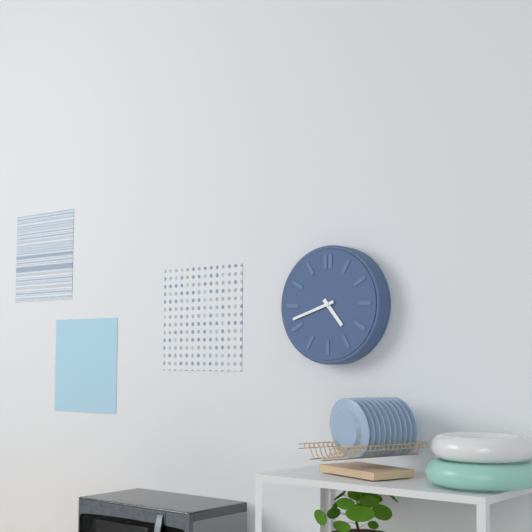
**4:42**
